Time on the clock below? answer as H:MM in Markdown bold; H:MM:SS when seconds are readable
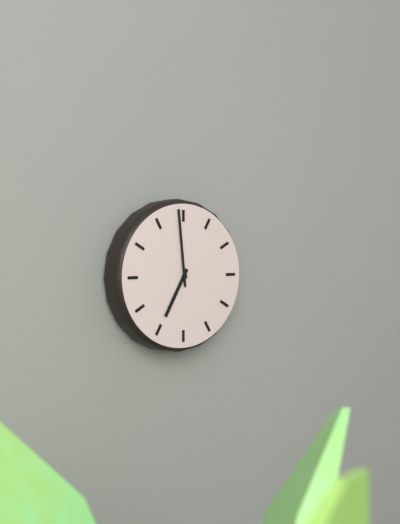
**6:59**
